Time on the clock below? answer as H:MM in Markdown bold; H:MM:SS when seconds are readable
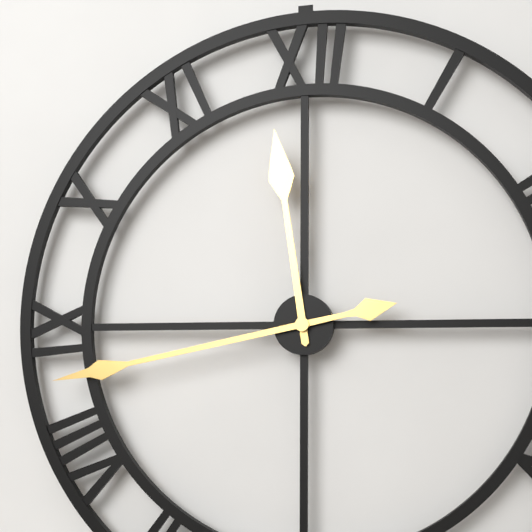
**11:43**
